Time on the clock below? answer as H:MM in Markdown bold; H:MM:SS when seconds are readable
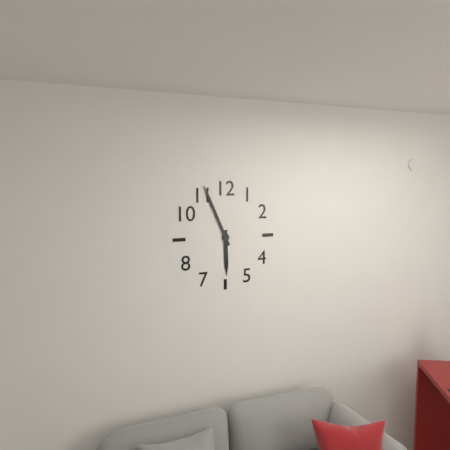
**5:56**
